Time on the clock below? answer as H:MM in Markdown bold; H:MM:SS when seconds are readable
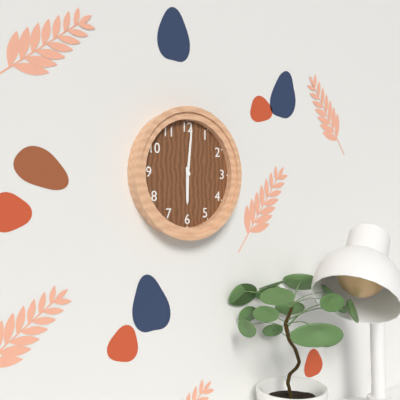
**6:01**
